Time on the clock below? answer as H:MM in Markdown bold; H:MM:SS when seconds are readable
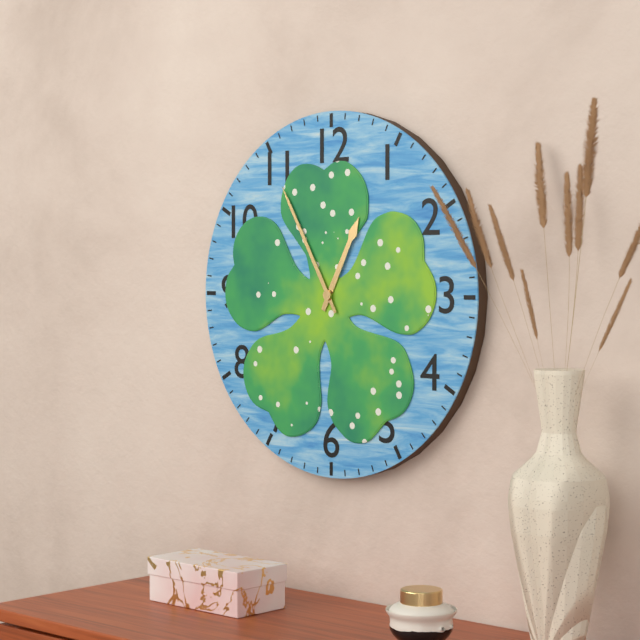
**12:55**
